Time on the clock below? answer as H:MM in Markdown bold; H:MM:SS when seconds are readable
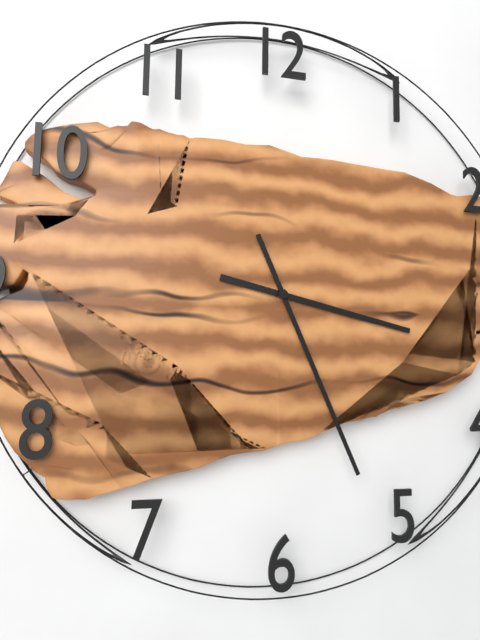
**3:26**
